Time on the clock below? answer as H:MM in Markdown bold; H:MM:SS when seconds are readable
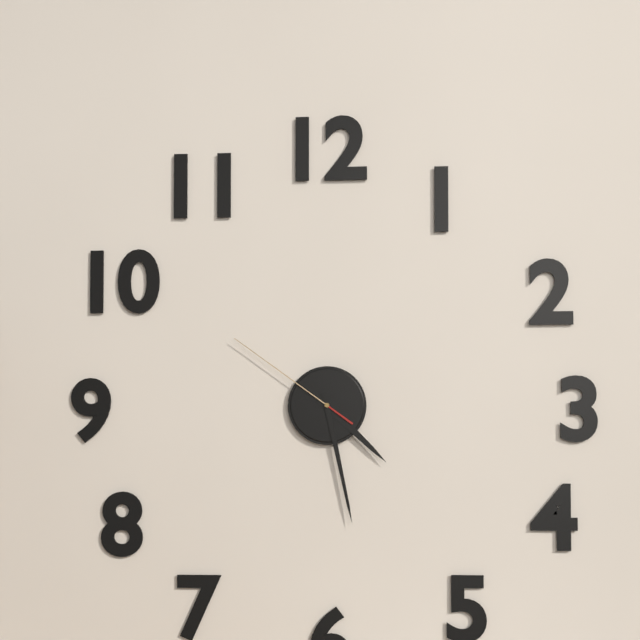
**4:28:51**
